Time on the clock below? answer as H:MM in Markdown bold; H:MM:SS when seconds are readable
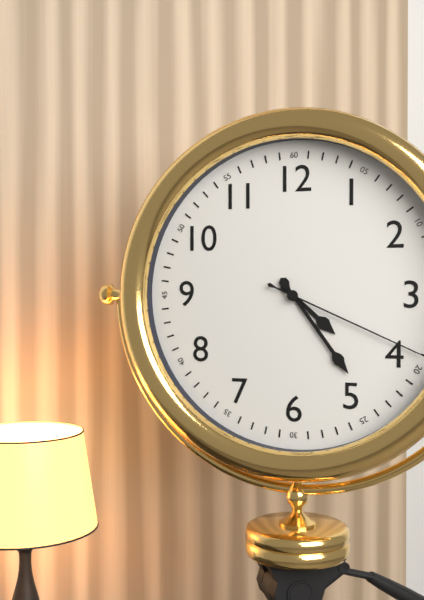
**4:24:19**
